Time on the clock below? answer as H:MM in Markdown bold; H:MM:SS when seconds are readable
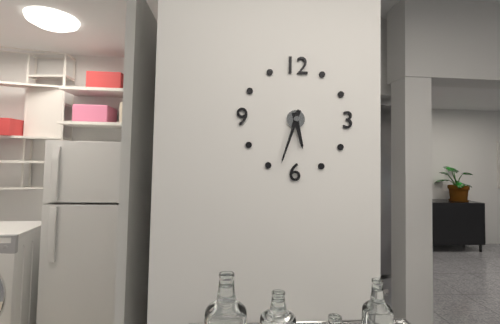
**5:33**
